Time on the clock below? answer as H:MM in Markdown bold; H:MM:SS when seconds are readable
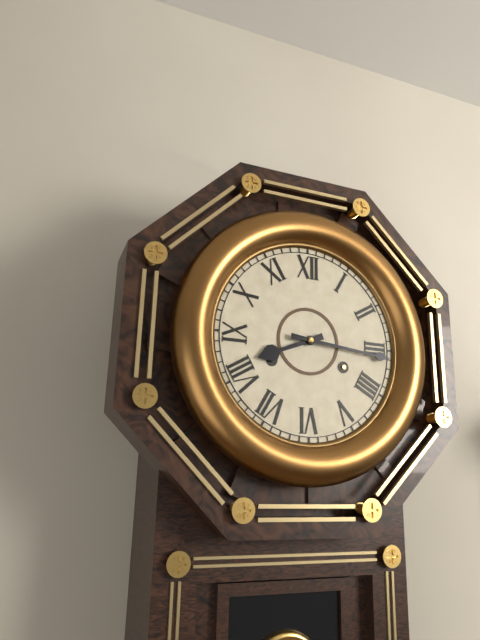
**8:16**
